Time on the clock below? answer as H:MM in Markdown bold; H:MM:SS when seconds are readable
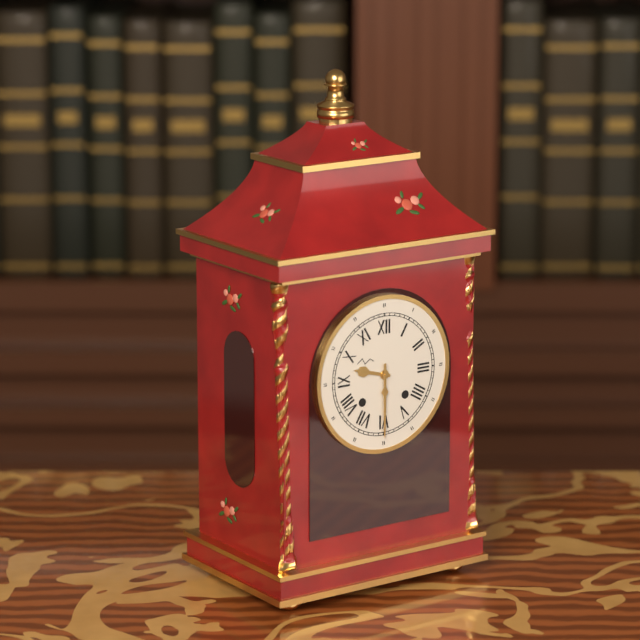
**9:30**
